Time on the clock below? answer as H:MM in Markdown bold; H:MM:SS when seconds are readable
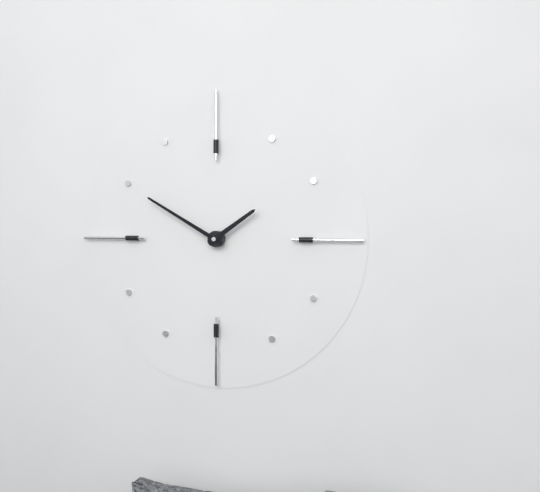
**1:50**
